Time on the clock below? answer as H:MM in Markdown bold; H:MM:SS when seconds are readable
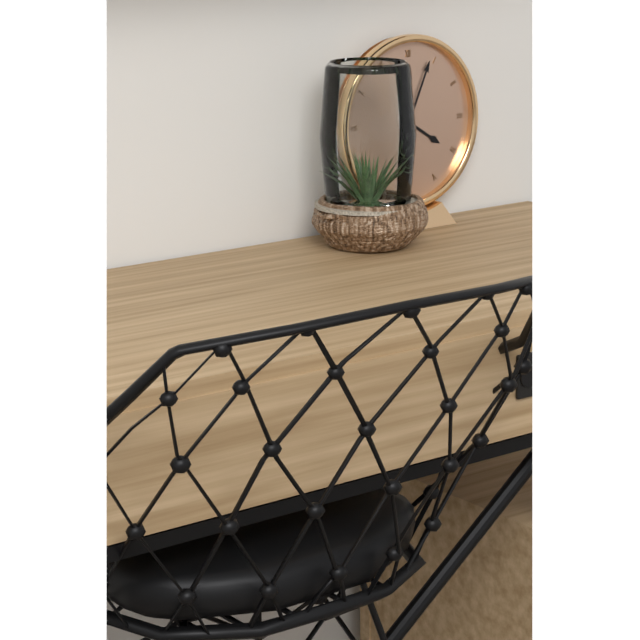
**4:04**
